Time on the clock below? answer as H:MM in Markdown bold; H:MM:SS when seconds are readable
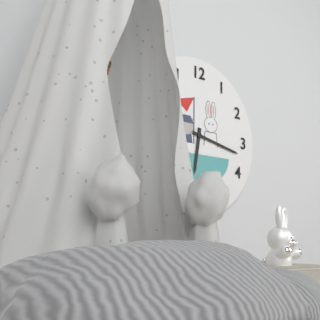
**6:17**
